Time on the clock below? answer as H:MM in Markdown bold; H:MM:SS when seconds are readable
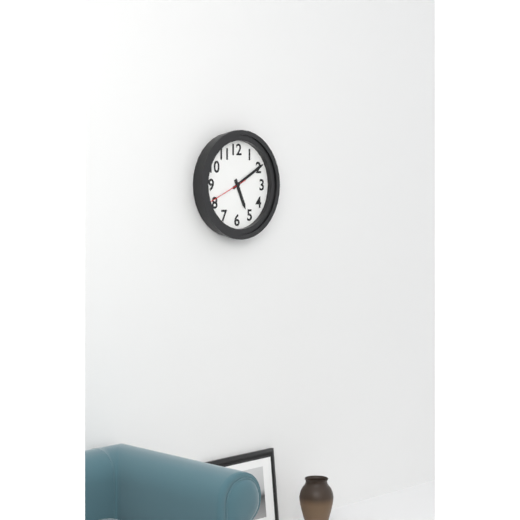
**5:10**
